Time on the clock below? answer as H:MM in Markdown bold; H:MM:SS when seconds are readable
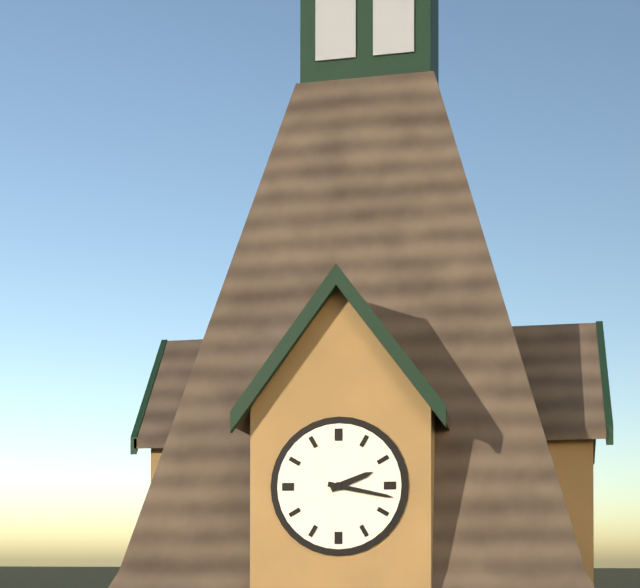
**2:17**
